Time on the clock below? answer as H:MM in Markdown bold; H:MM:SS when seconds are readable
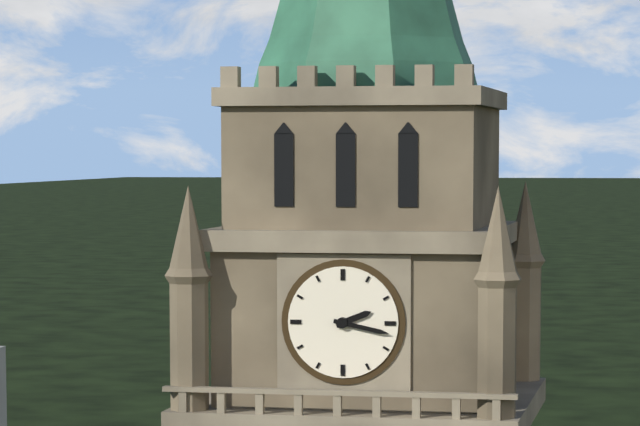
**2:17**
